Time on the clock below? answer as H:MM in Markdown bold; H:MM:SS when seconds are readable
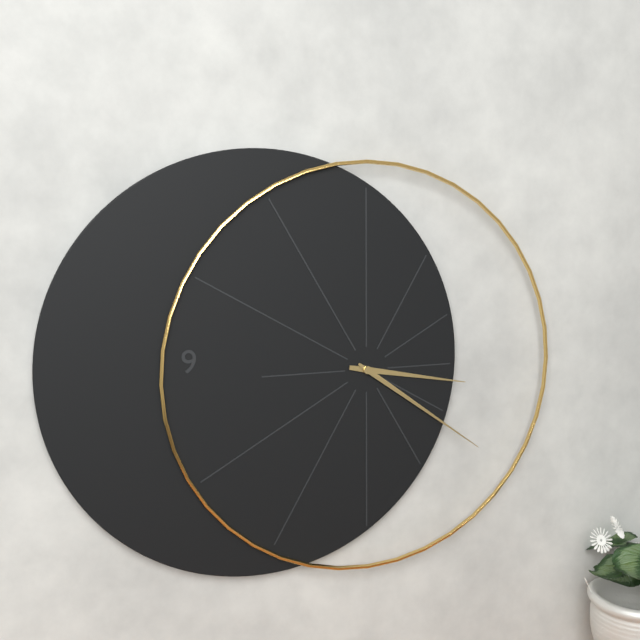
**3:21**
